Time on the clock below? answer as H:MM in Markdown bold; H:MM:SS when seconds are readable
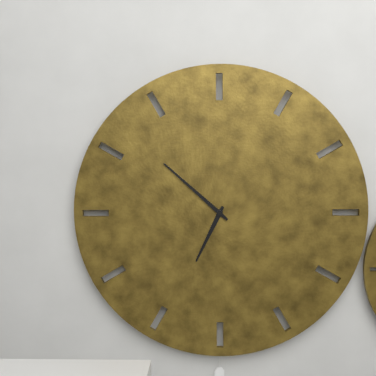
**6:52**
